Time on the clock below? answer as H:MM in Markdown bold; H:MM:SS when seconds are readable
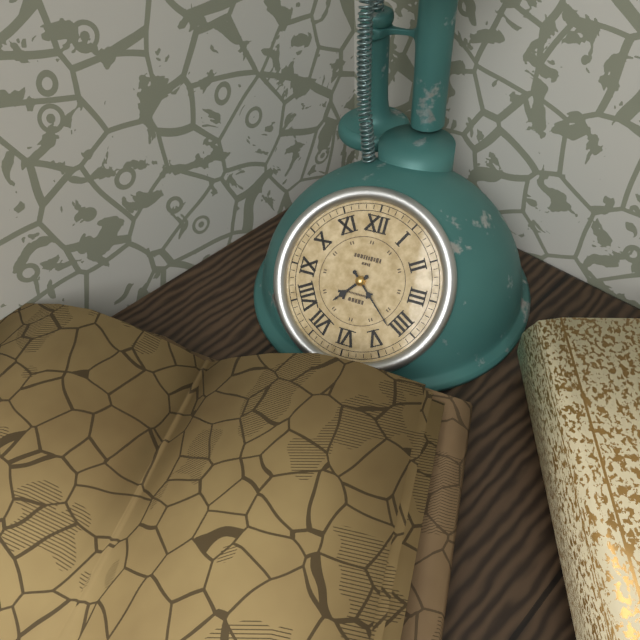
**7:22**
